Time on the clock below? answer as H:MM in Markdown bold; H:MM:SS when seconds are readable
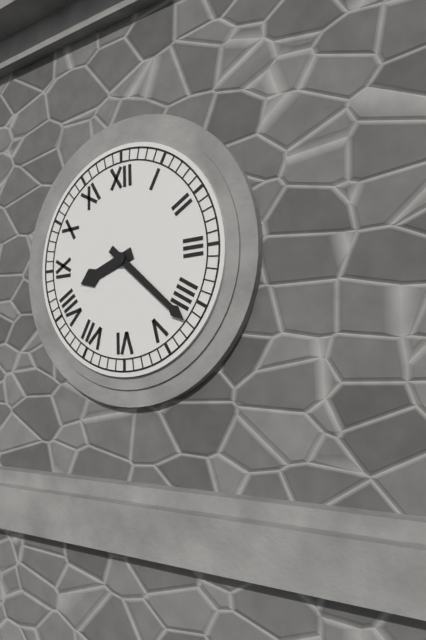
**8:22**
